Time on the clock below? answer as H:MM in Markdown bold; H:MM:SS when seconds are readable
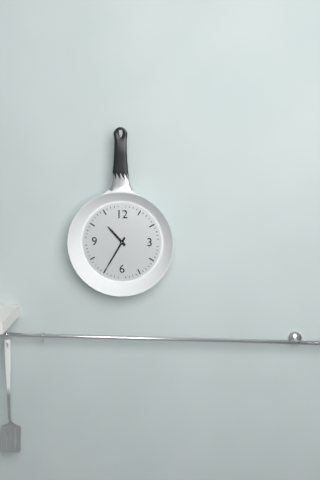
**10:35**
